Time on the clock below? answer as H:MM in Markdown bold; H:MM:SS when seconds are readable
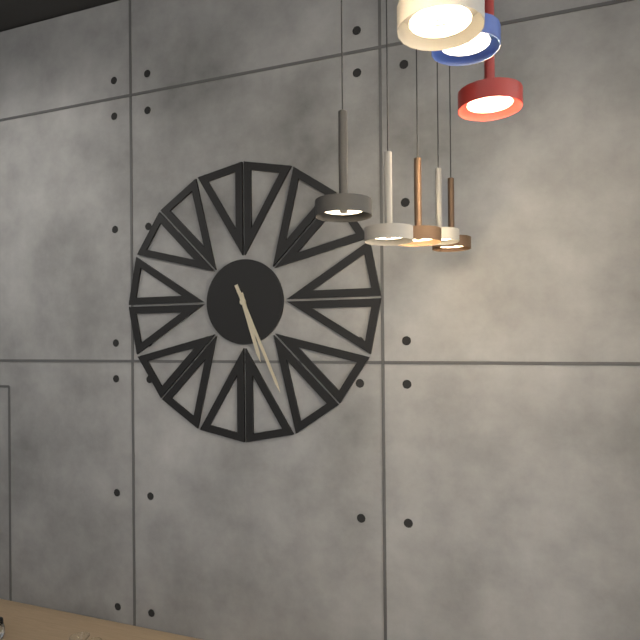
**5:26**
